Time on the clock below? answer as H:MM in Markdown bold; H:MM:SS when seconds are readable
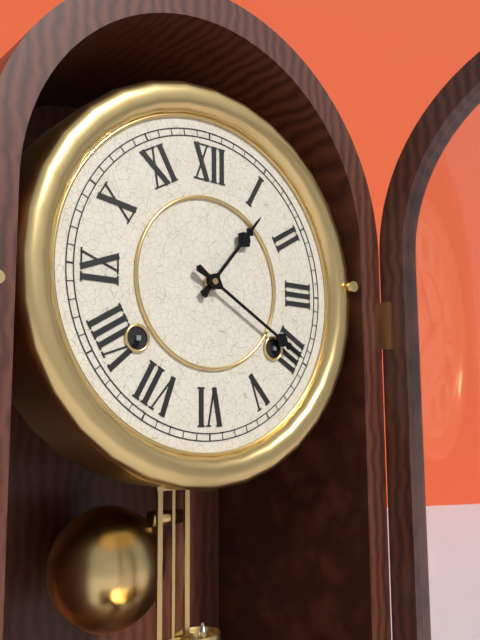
**1:20**
